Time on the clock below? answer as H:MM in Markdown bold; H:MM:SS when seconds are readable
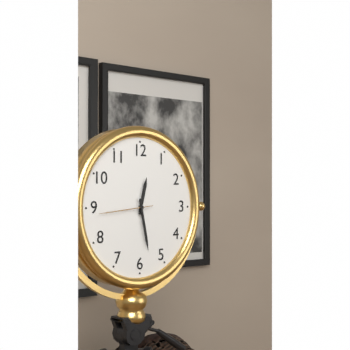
**12:28:44**
